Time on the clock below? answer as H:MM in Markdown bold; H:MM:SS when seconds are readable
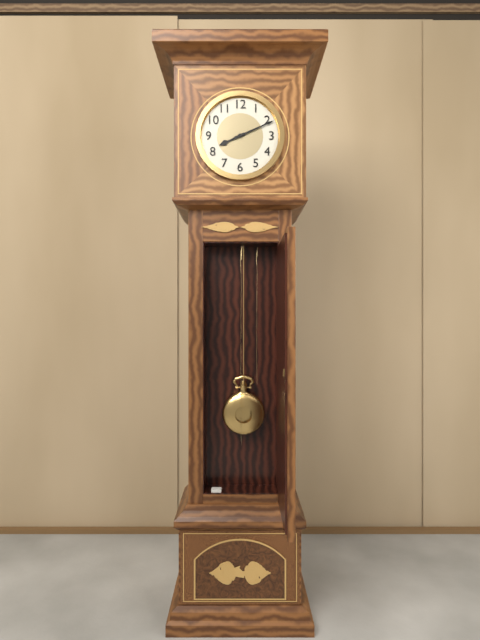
**8:11**
